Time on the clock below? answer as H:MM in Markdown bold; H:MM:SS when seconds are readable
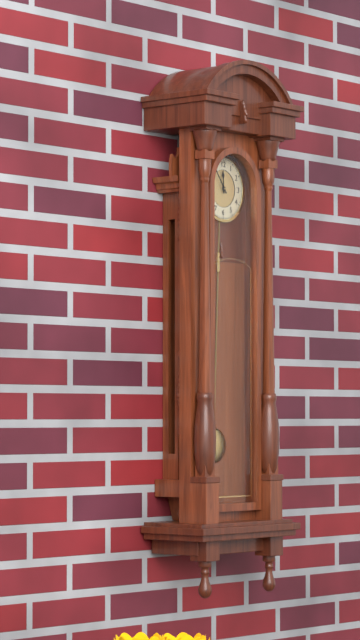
**11:54**
